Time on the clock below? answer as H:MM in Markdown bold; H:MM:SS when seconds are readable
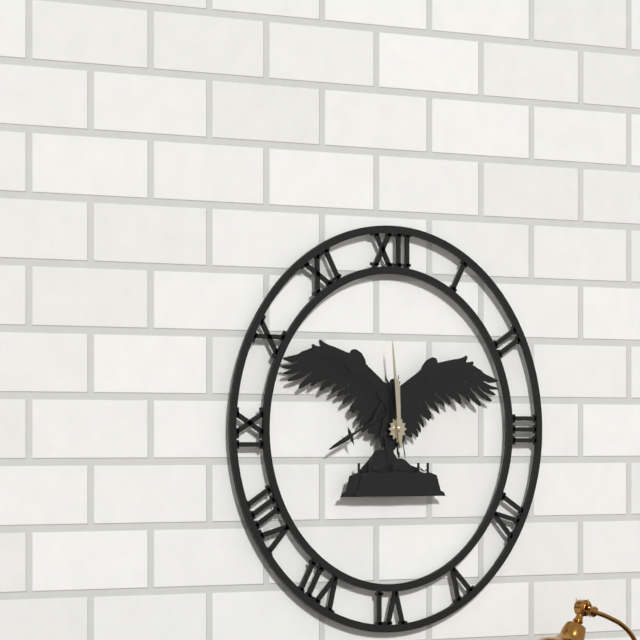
**11:59**
